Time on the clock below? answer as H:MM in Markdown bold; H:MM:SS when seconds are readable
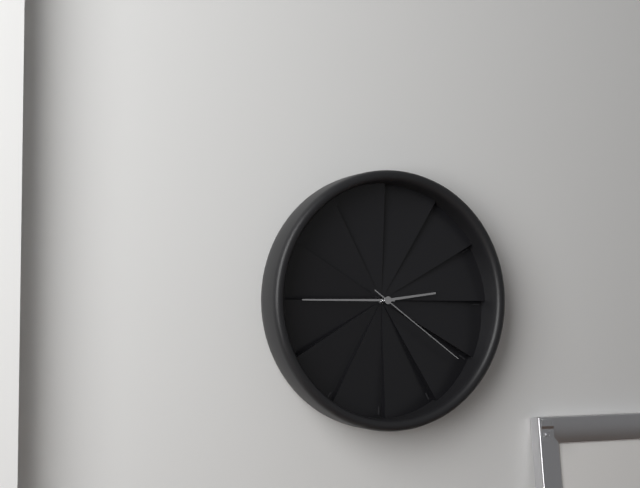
**2:45:21**
